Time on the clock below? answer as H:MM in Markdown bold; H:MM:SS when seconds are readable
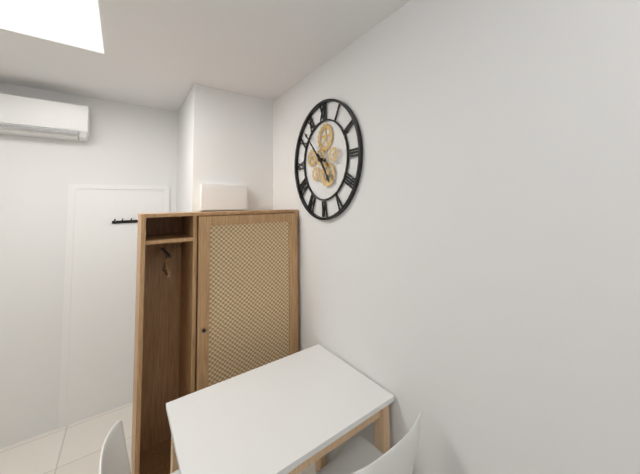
**4:53**
